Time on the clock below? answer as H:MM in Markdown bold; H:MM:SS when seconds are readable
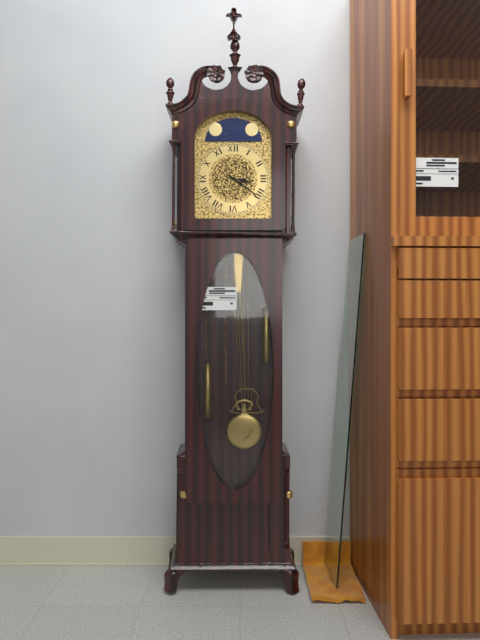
**3:21**
